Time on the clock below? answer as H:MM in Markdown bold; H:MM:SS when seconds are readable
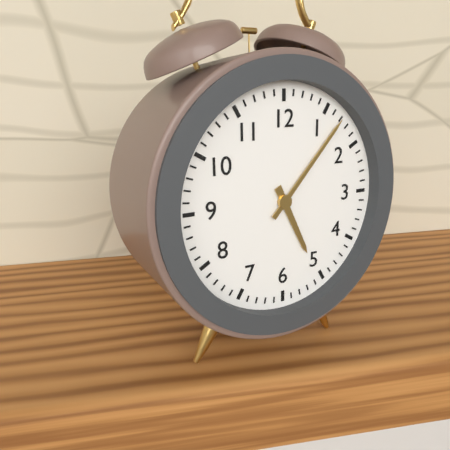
**5:07**
